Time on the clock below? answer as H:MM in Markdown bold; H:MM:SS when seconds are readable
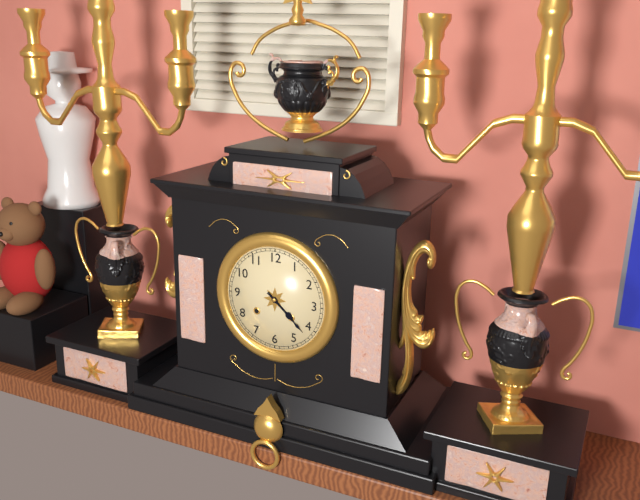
**4:22**
